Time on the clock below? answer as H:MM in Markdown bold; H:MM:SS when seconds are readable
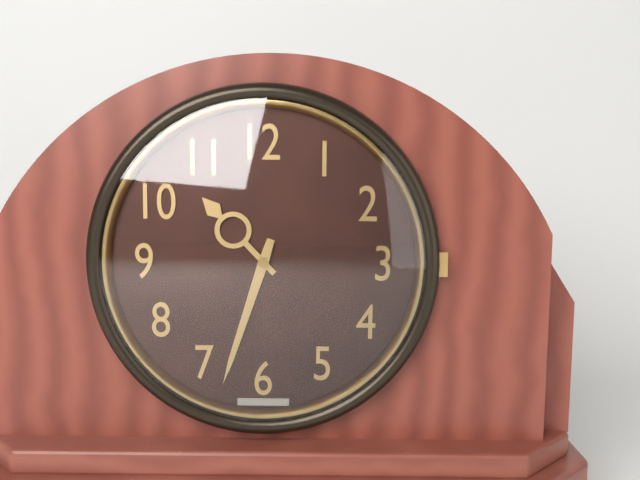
**10:33**
